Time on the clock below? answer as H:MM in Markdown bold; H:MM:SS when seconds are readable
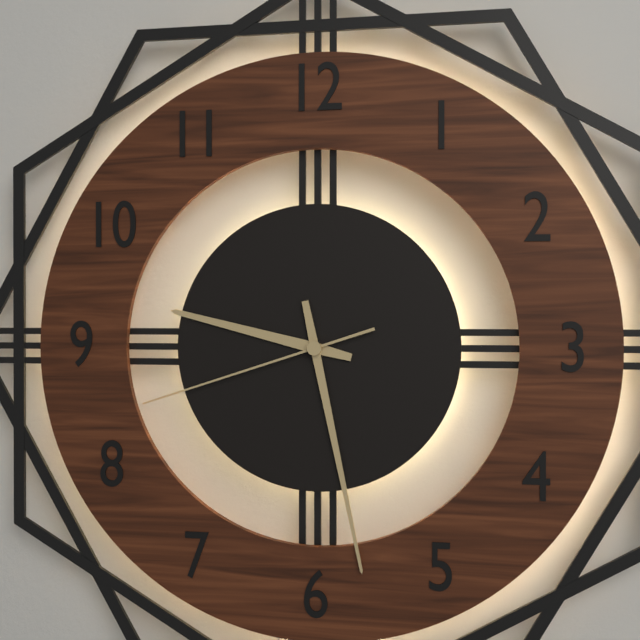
**9:28:42**
